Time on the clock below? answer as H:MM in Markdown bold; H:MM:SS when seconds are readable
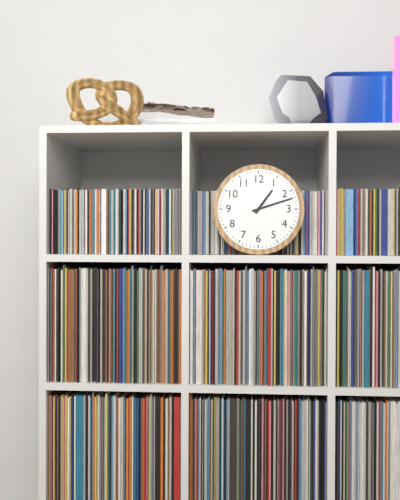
**1:12**
